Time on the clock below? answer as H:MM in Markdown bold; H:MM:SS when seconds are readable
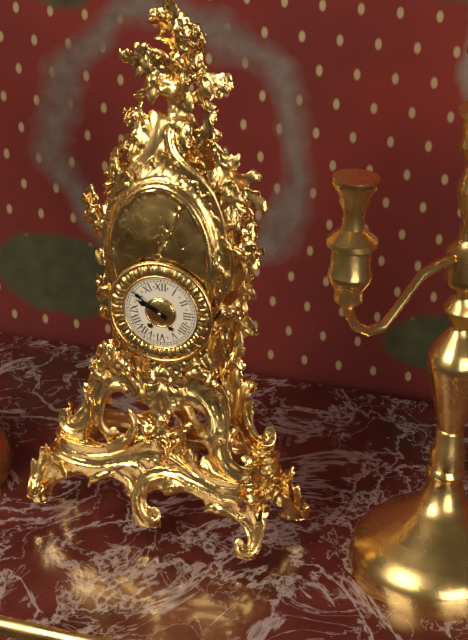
**9:51**
